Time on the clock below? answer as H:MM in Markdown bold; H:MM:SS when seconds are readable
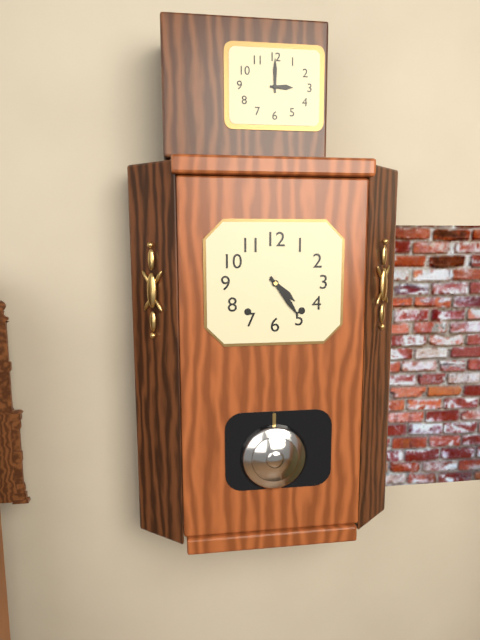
**4:24**
